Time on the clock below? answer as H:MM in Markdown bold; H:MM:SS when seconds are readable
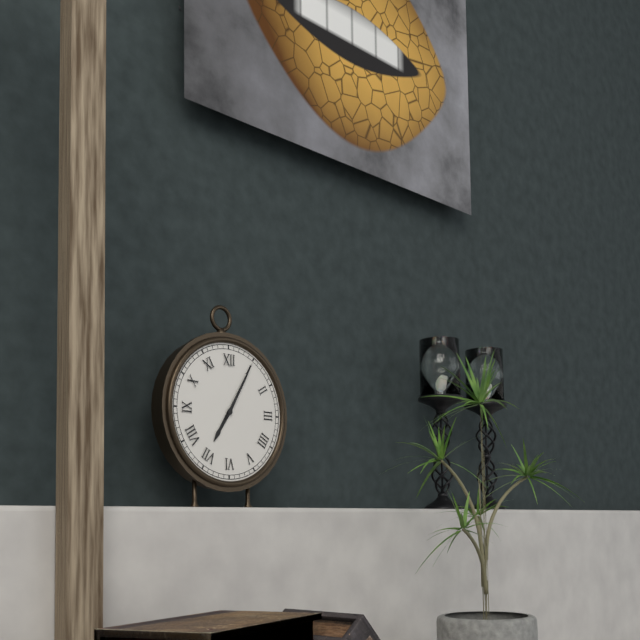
**7:05**
